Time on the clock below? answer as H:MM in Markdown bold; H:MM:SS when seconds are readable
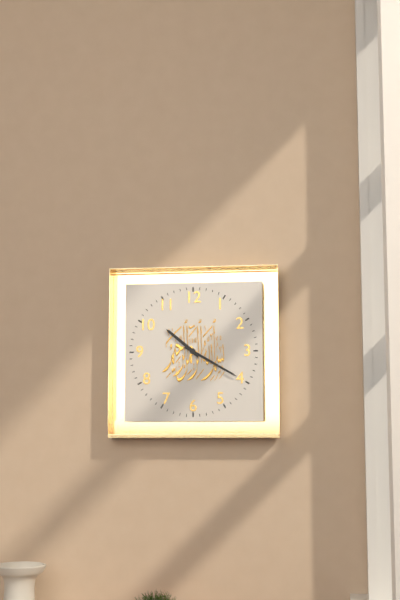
**10:20**
